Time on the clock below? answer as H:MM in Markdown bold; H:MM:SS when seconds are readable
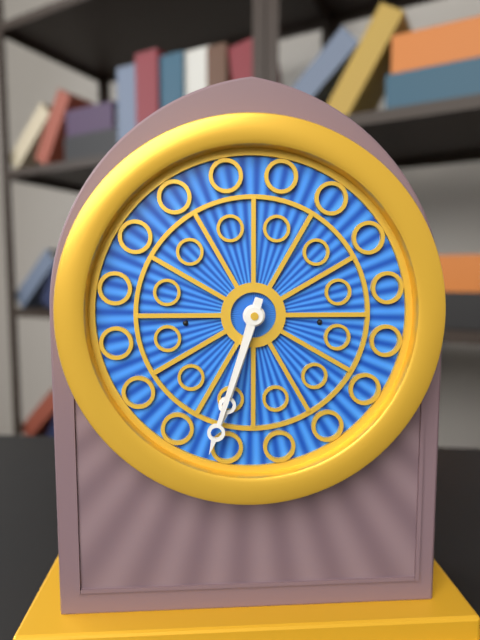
**6:33**
